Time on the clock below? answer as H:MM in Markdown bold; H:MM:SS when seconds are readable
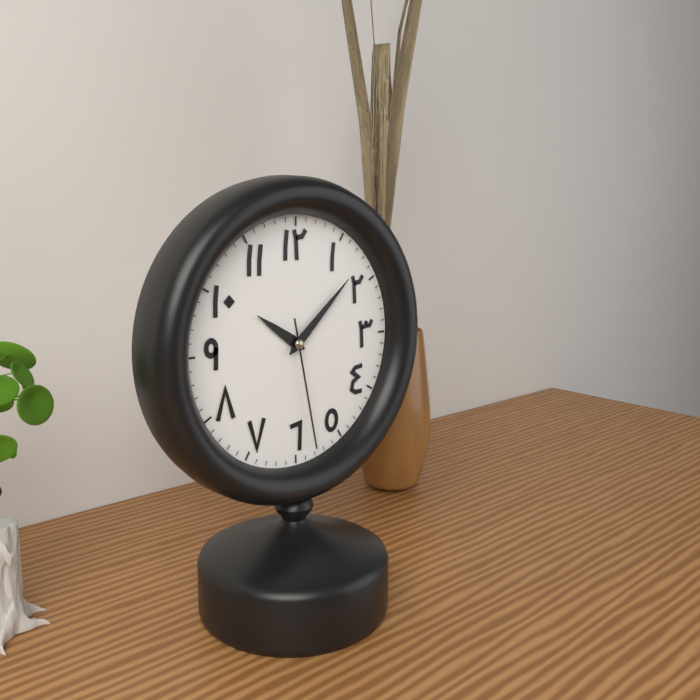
**10:08:28**
